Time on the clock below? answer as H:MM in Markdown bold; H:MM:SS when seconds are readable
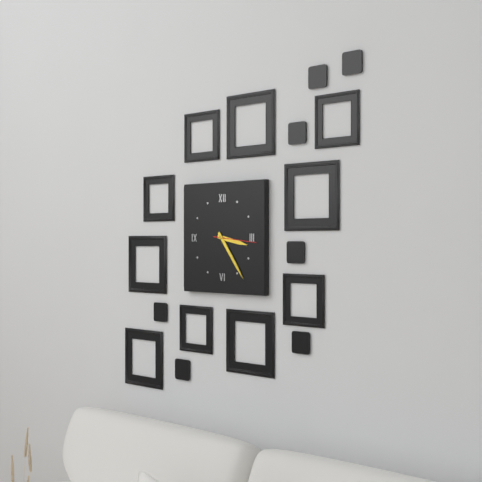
**3:24**
